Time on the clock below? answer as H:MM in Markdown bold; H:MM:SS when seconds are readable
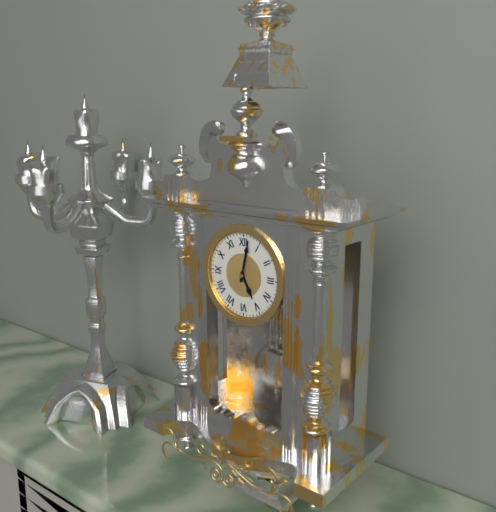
**5:02**
